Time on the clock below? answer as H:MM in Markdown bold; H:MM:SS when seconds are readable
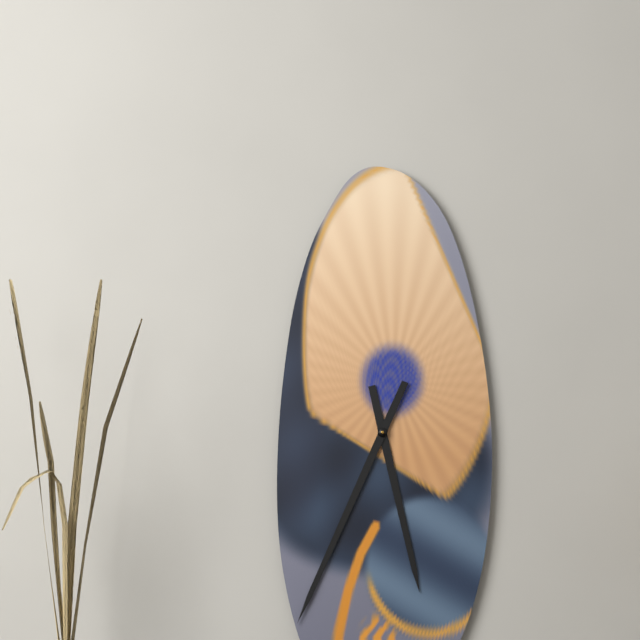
**5:34**
